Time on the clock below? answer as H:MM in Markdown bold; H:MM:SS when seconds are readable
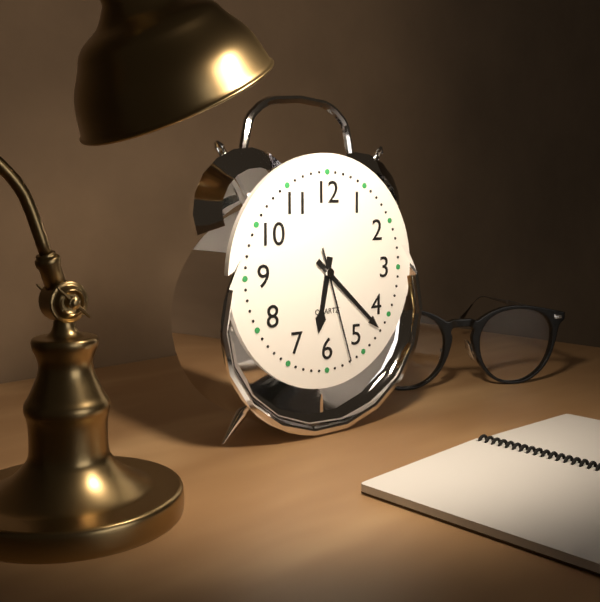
**6:22:27**
